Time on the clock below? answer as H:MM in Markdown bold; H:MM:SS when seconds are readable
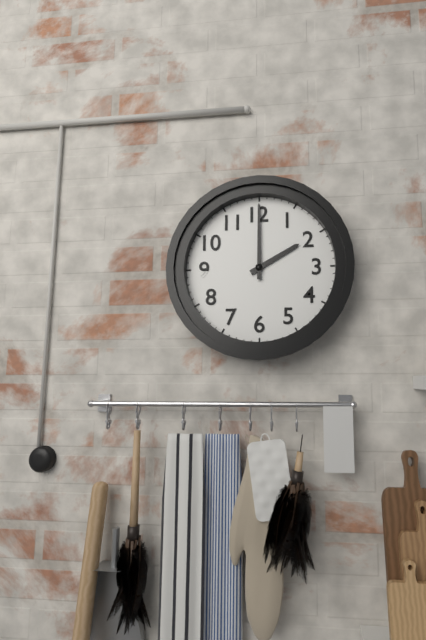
**2:00**
